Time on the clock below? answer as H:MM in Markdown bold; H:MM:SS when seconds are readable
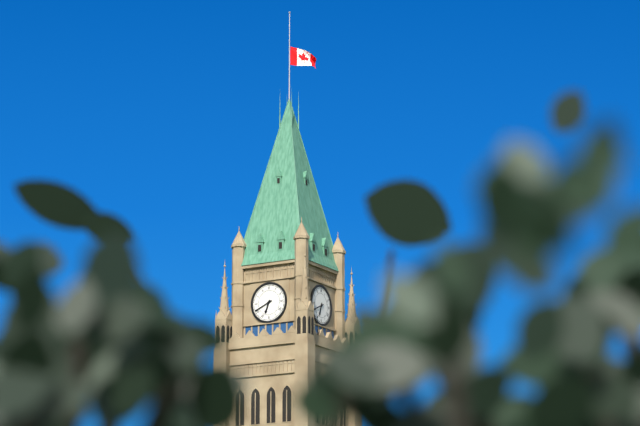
**6:41**
